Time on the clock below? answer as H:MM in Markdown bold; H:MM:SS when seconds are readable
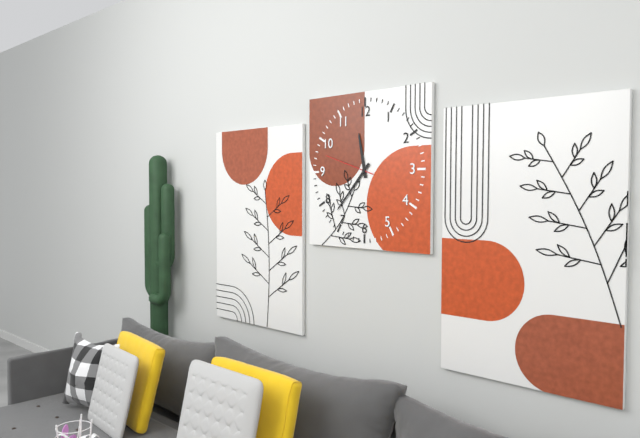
**11:37:48**
